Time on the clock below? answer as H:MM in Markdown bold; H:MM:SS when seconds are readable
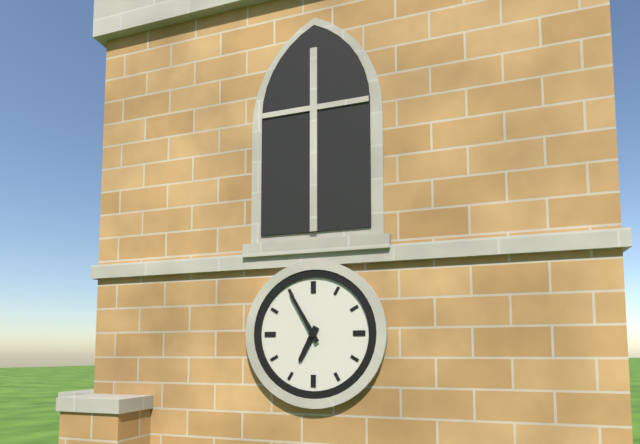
**6:55**
